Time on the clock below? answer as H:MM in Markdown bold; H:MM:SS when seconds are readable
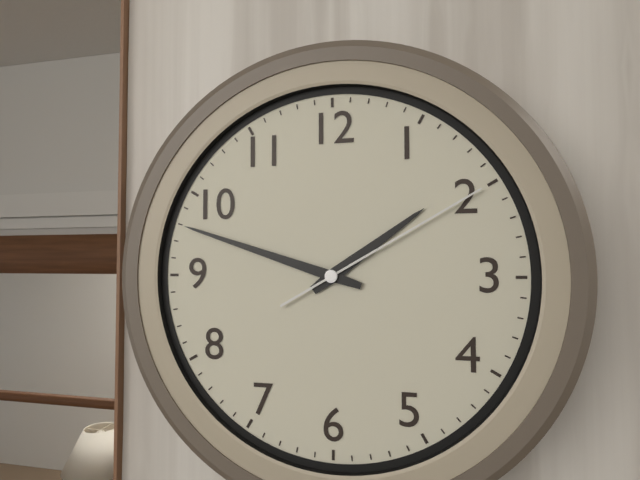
**1:48:10**
